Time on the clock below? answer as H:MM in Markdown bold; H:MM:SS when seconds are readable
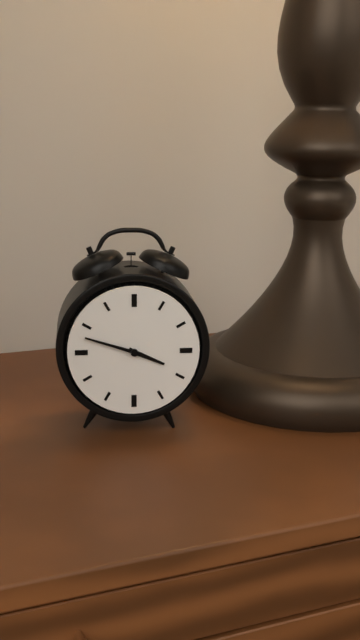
**3:48**
